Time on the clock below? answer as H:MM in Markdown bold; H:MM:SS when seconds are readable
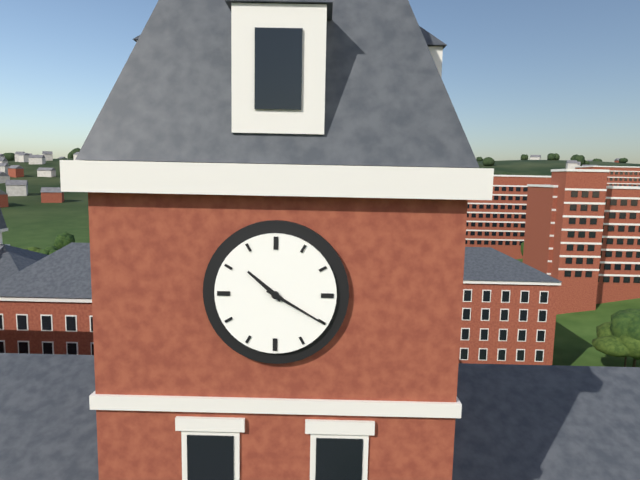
**10:20**
